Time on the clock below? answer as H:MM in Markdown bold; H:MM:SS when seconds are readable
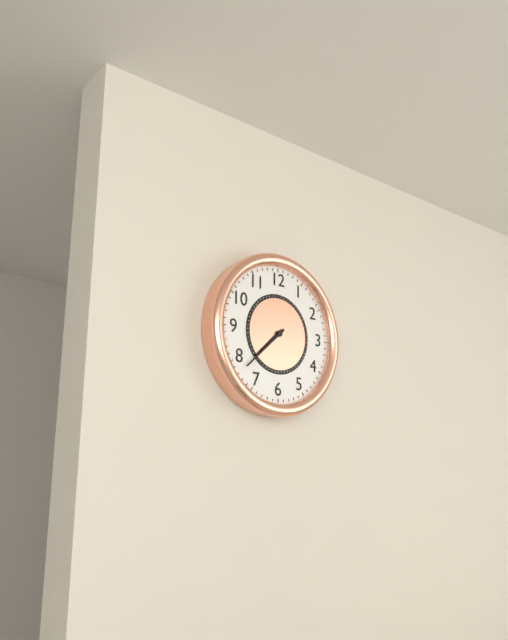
**7:38**
